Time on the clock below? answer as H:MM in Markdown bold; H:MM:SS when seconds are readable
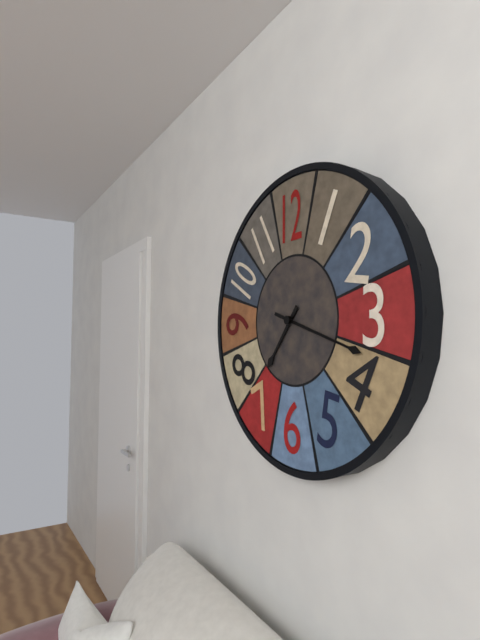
**7:18**
